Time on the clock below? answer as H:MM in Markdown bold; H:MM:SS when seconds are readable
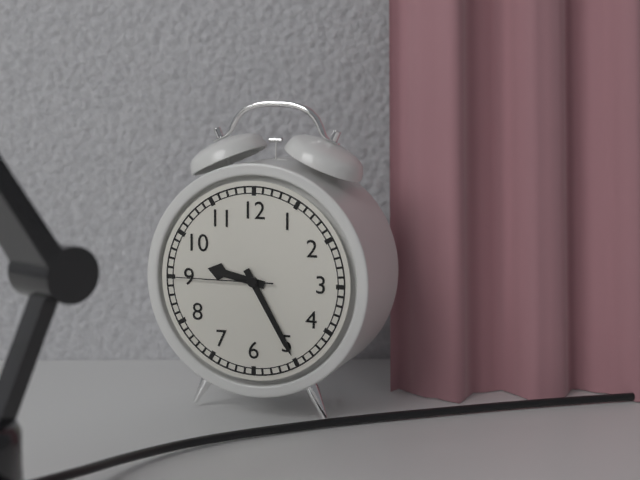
**9:25:45**
